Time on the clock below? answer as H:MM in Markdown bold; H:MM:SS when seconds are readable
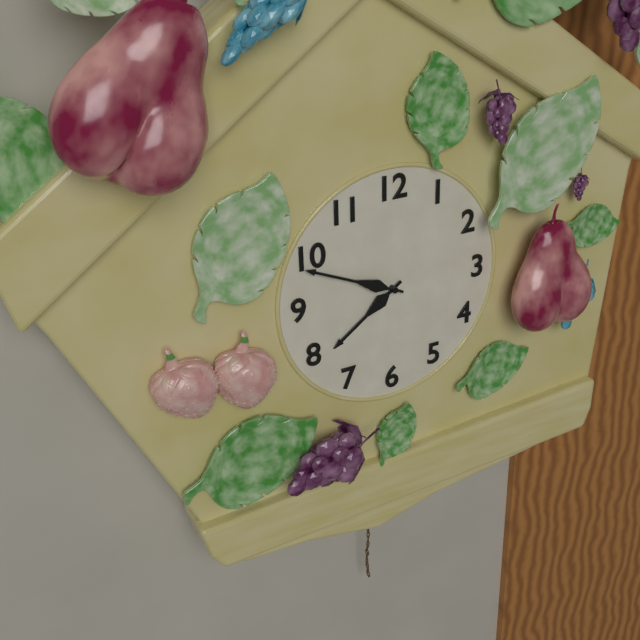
**7:49**
